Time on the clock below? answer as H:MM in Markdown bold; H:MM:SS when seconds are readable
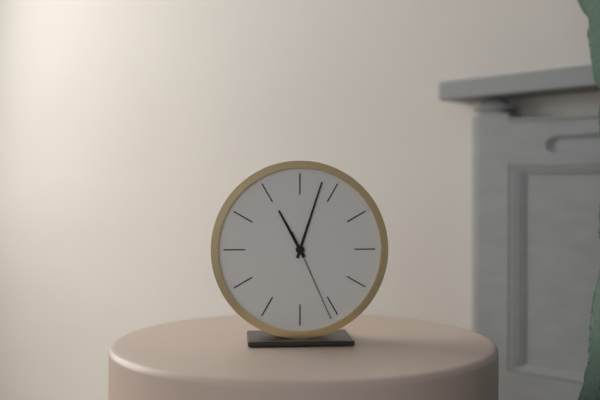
**11:03:26**
